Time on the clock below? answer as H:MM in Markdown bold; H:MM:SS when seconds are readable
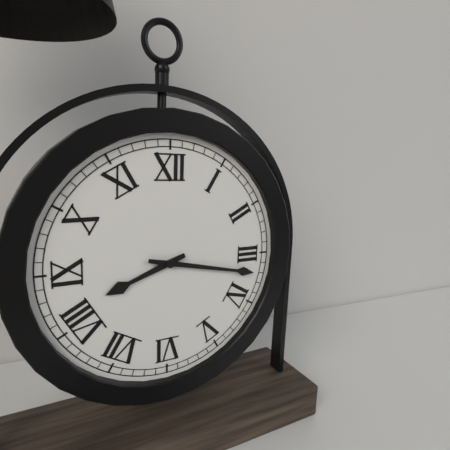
**8:17**
